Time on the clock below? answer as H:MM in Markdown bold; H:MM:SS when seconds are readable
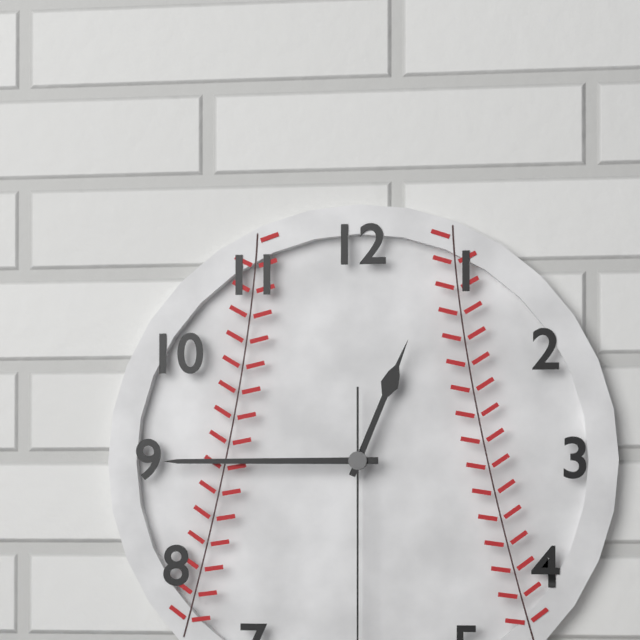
**12:45**
